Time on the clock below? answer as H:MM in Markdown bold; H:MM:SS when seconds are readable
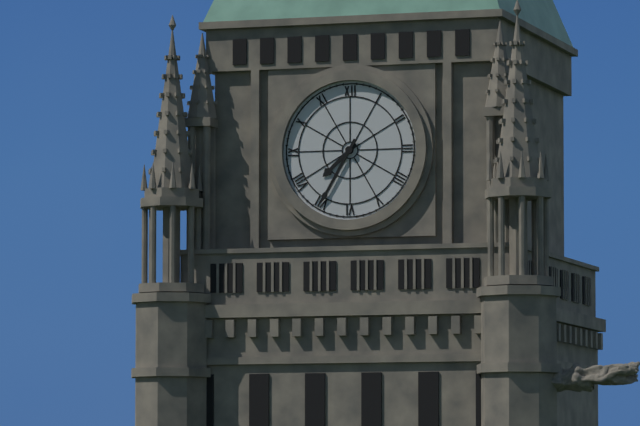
**7:35**
